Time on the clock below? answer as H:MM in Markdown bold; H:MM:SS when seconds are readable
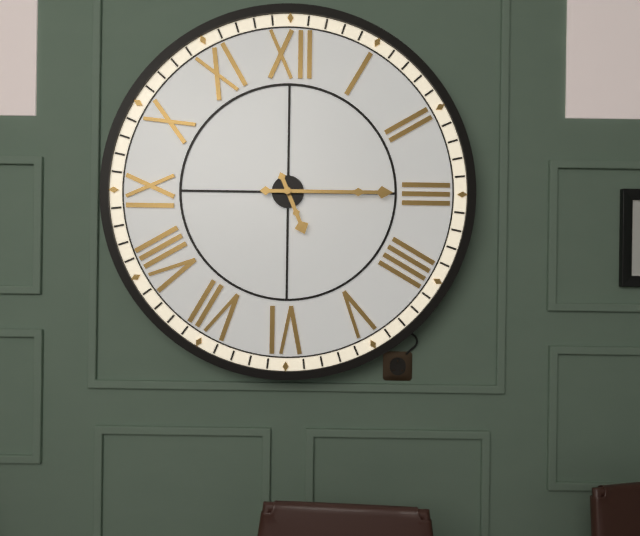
**5:15**
